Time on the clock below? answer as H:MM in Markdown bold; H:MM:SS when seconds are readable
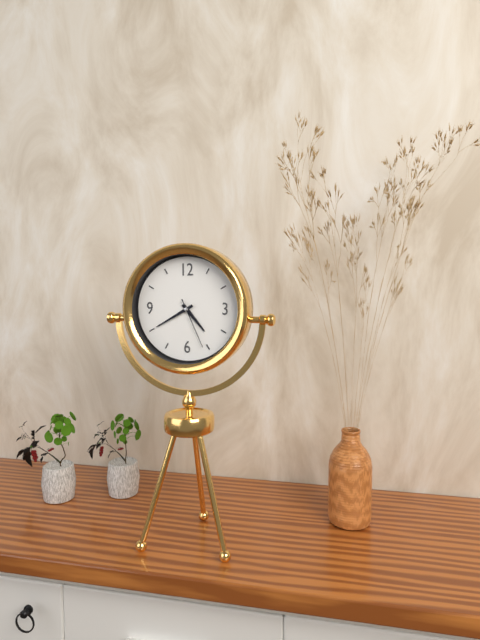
**4:40:26**
